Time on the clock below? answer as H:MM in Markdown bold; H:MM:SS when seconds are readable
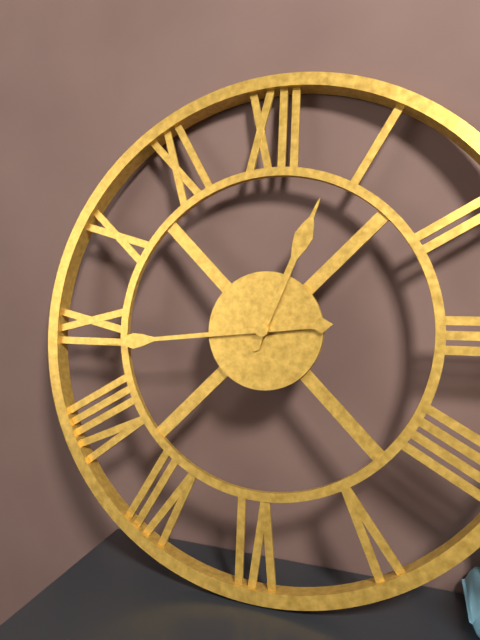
**12:44**
